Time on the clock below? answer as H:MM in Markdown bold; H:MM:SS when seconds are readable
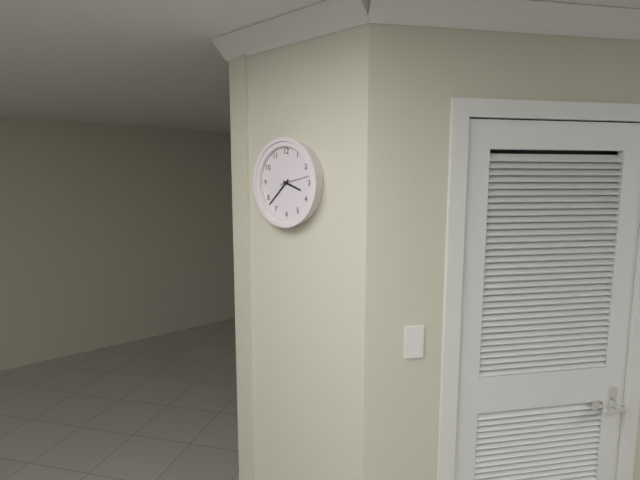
**3:38**
